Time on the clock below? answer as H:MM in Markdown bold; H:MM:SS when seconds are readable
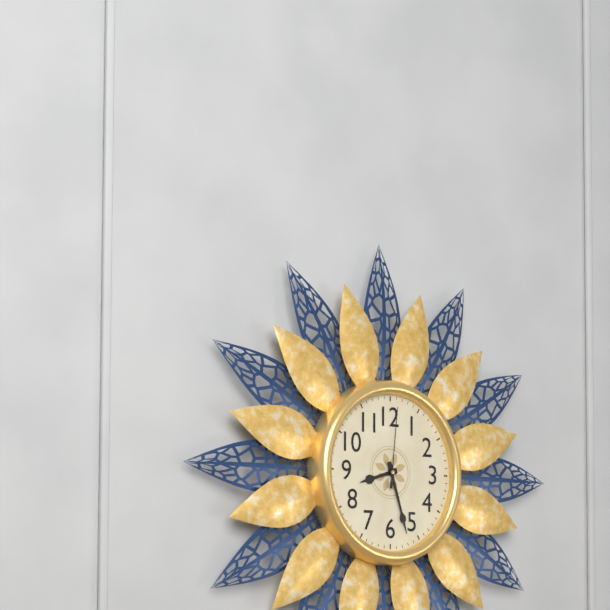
**8:27:01**
